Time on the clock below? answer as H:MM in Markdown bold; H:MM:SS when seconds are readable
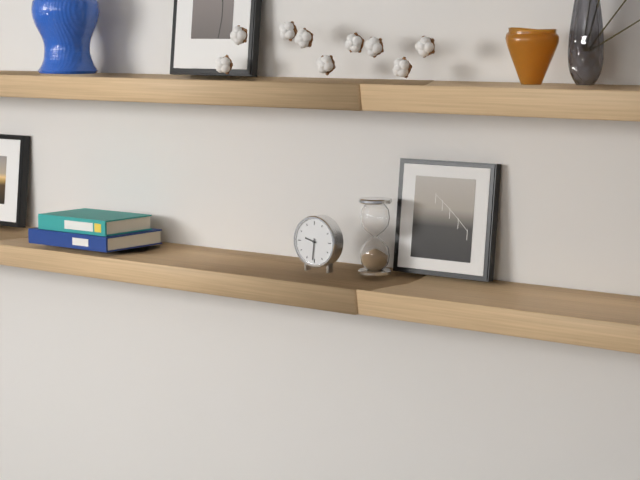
**9:31**
